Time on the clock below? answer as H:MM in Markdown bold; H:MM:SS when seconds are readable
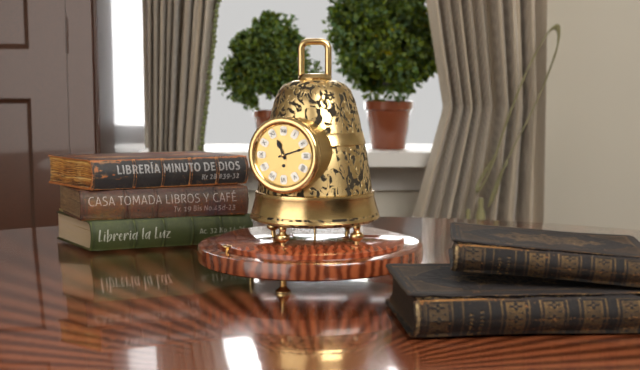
**11:12**
